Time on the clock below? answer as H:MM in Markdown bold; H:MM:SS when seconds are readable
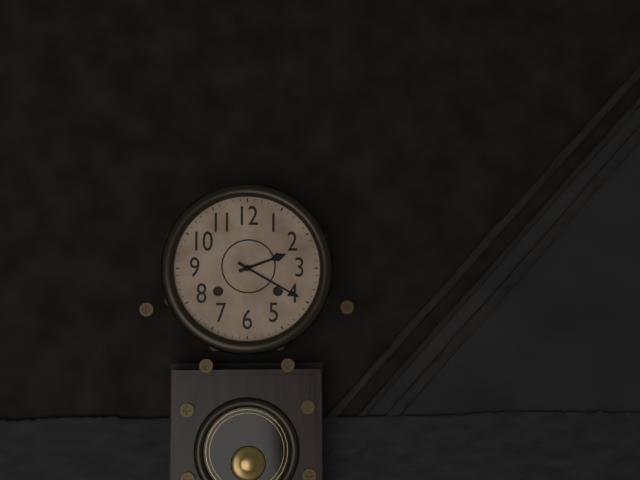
**2:20**
